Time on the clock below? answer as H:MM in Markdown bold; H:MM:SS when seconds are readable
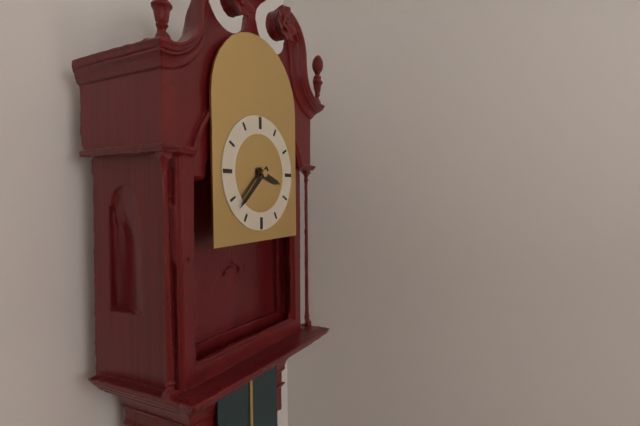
**3:38**
